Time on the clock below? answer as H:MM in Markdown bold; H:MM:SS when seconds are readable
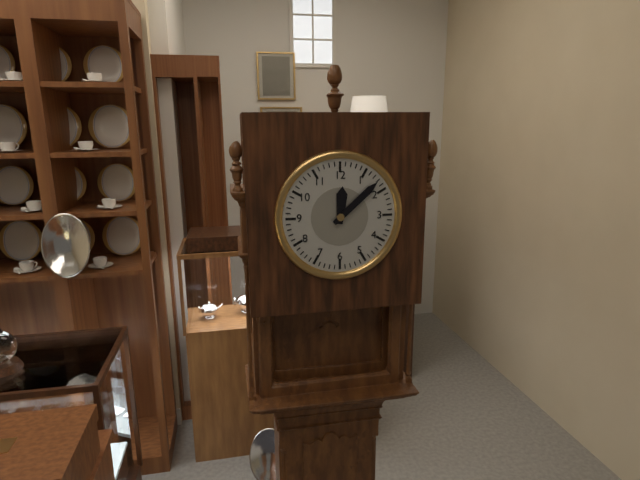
**12:08**
